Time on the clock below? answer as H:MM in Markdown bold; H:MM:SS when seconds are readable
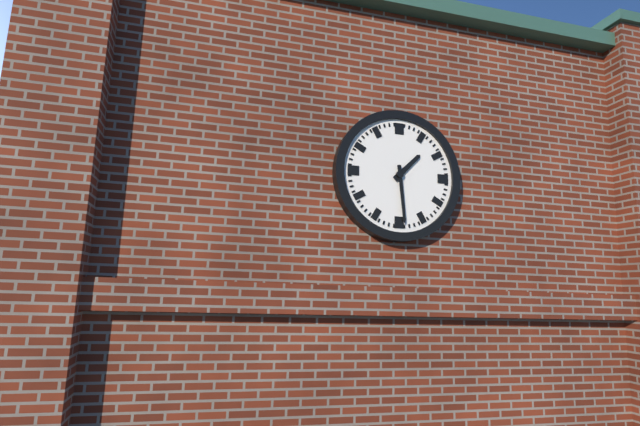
**1:29**
